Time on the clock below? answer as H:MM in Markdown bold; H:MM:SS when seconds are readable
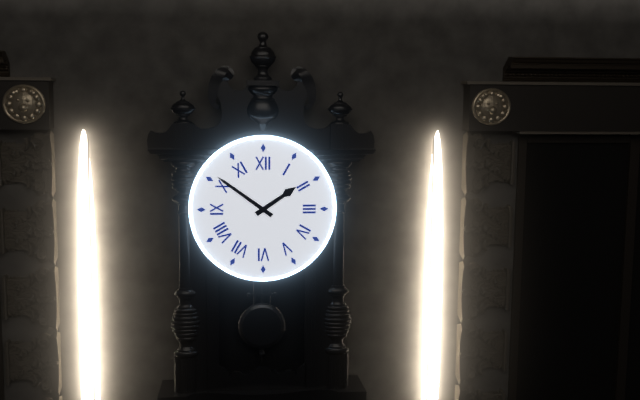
**1:51**
